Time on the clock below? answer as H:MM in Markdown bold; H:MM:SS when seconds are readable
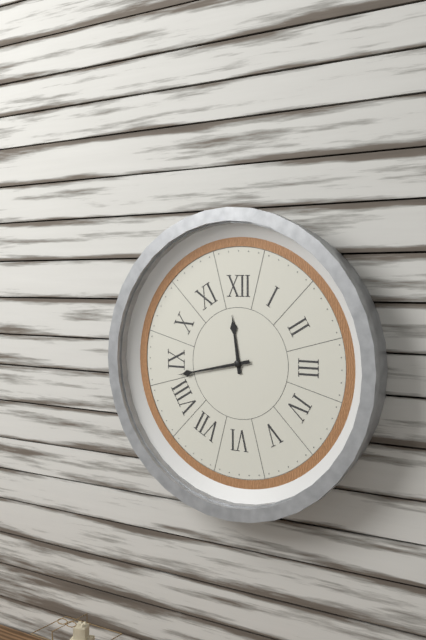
**11:43**
